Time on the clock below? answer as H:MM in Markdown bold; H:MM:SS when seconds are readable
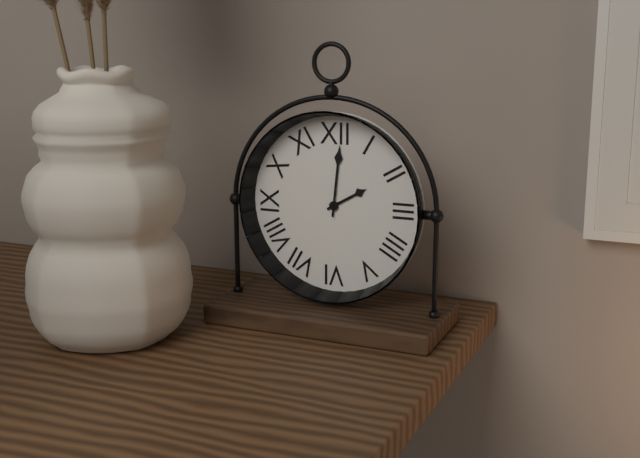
**2:01**
